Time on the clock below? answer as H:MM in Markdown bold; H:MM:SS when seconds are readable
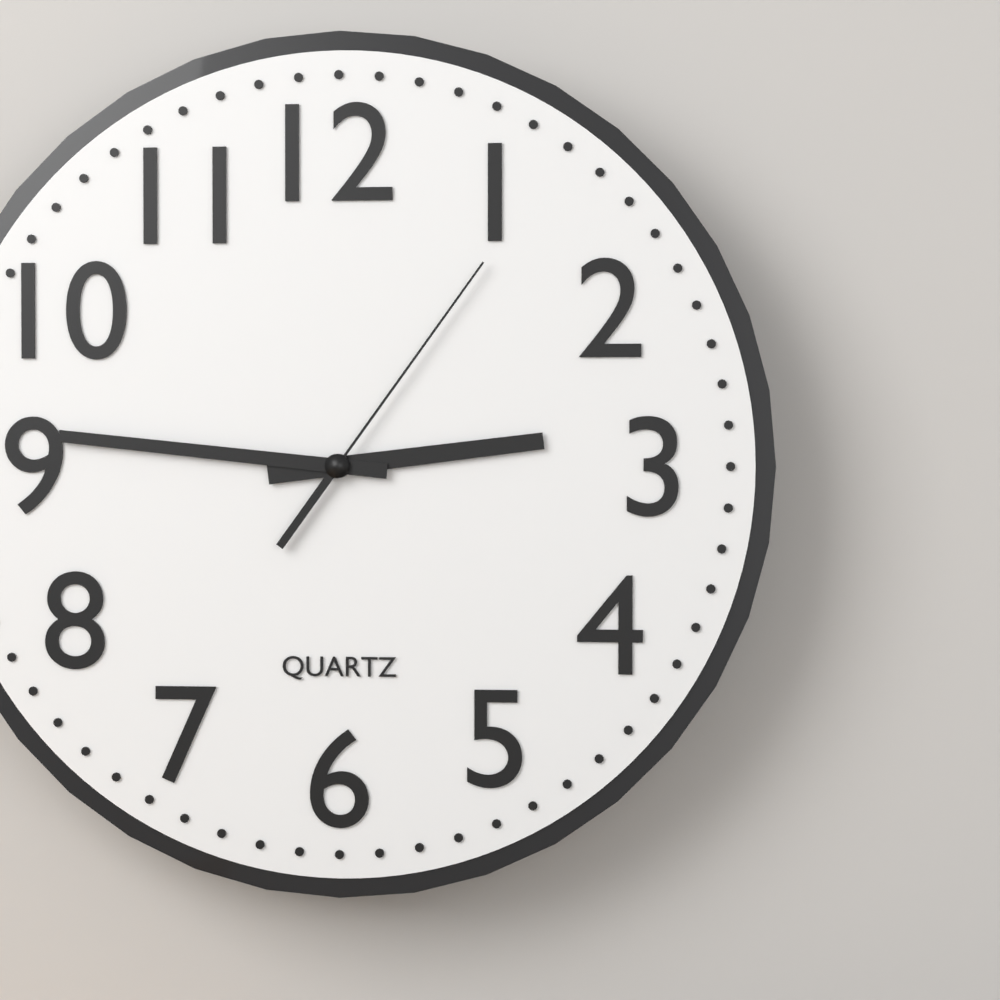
**2:46:06**
